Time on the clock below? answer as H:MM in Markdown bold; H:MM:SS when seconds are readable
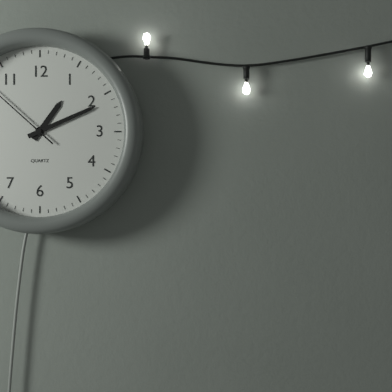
**1:11**
